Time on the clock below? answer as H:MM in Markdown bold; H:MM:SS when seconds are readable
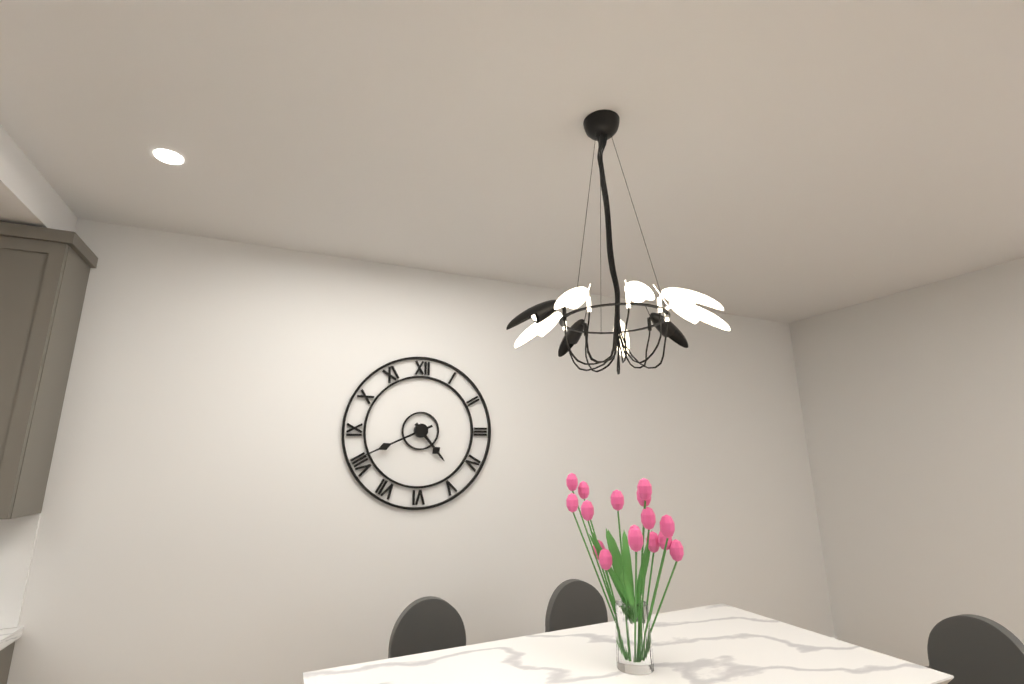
**4:41**
